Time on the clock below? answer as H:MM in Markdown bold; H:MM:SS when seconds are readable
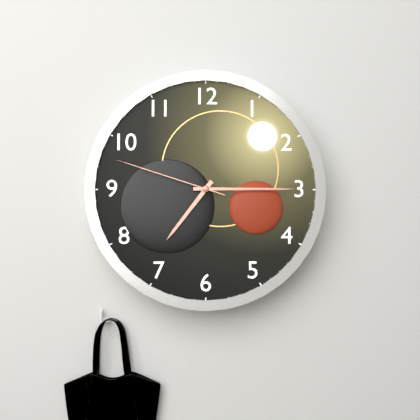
**7:15:48**
